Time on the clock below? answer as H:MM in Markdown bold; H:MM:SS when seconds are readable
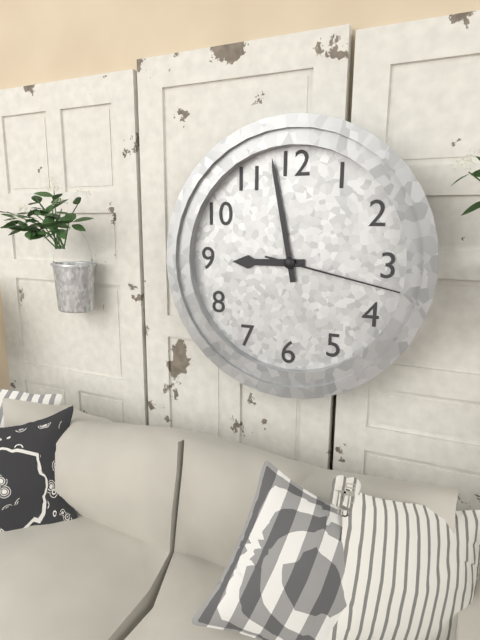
**8:58:17**
